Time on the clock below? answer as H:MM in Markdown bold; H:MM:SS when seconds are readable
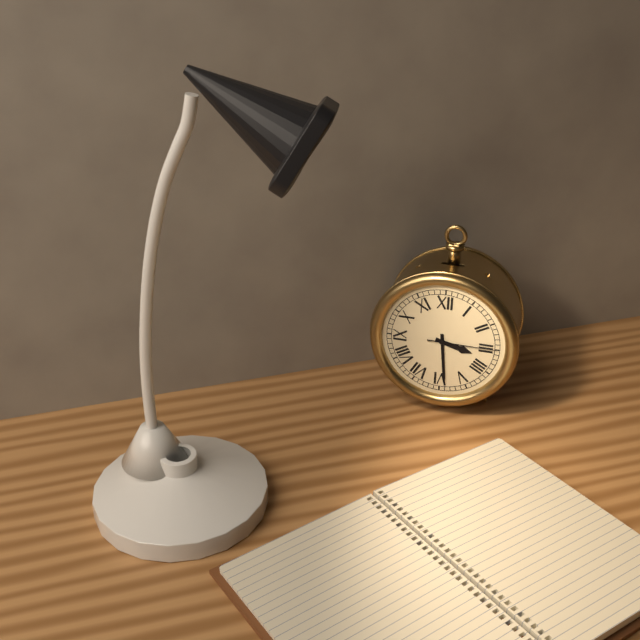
**3:29:15**
